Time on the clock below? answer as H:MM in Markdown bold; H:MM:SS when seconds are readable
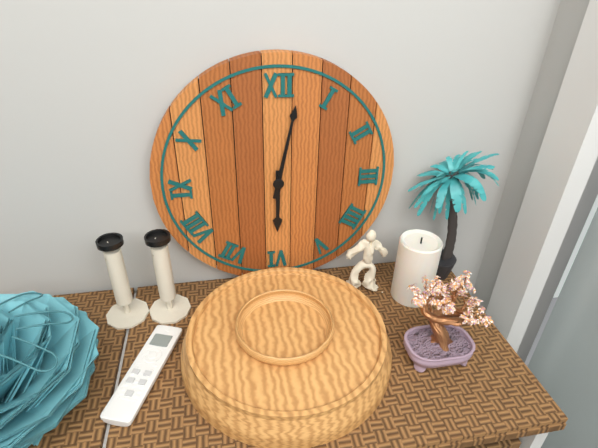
**6:02**
